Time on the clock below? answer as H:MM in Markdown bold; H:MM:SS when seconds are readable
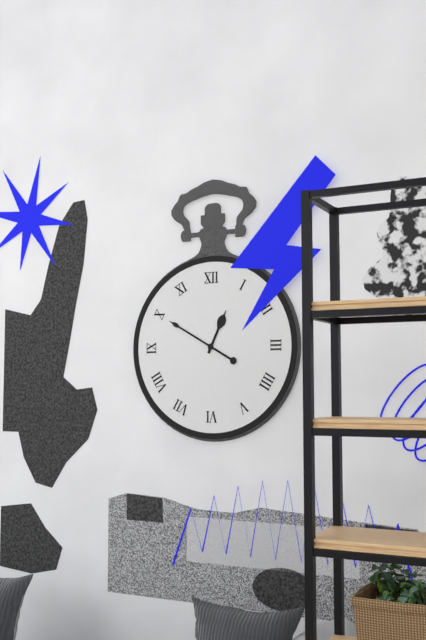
**12:50**
